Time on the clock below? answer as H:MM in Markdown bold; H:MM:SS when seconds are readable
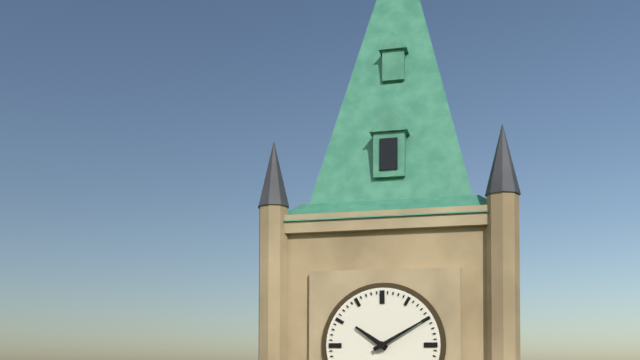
**10:10**
